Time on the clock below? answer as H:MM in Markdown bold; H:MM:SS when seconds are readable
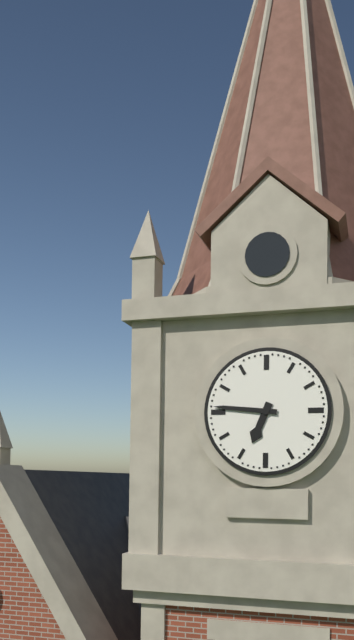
**6:46**
